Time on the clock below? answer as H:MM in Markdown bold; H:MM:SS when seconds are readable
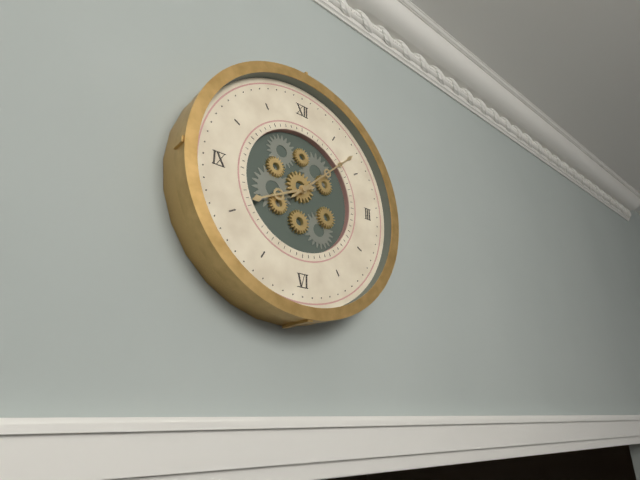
**8:08**
